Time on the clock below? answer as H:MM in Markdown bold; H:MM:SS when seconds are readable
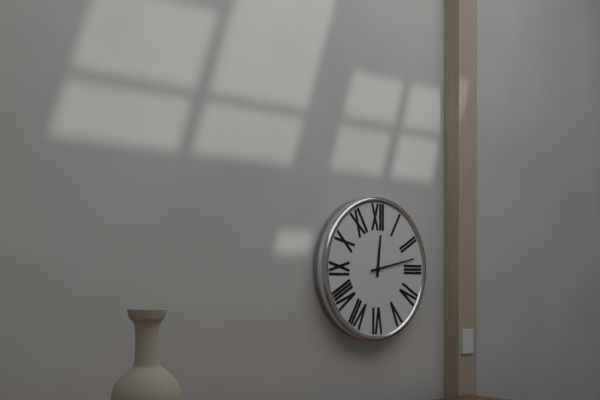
**12:13**
